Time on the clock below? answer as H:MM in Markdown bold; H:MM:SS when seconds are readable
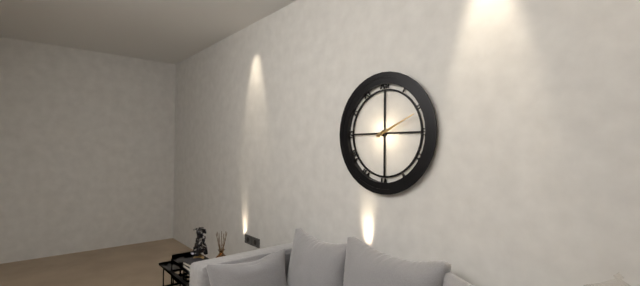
**2:11**
